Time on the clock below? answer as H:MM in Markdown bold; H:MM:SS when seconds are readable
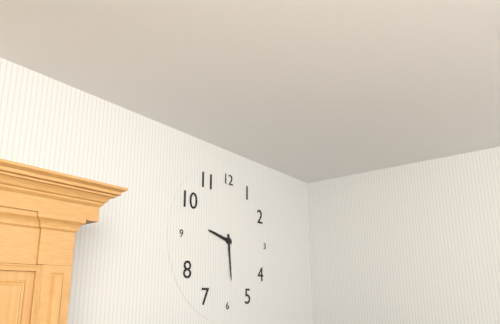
**9:29**
